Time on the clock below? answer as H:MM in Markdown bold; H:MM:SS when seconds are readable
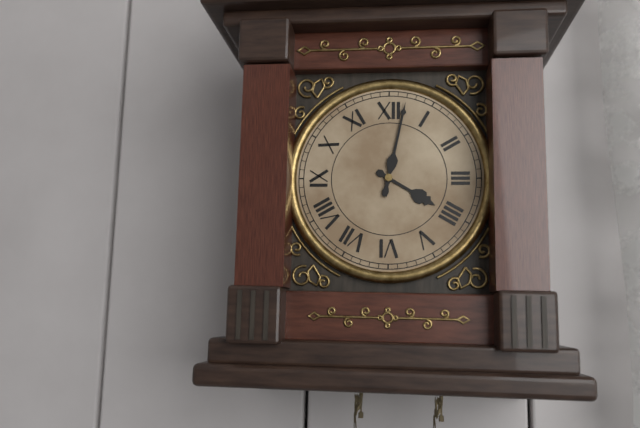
**4:02**
